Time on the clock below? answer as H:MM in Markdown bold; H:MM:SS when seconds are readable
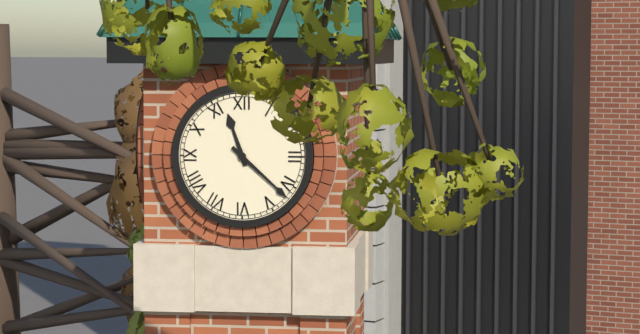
**11:22**
